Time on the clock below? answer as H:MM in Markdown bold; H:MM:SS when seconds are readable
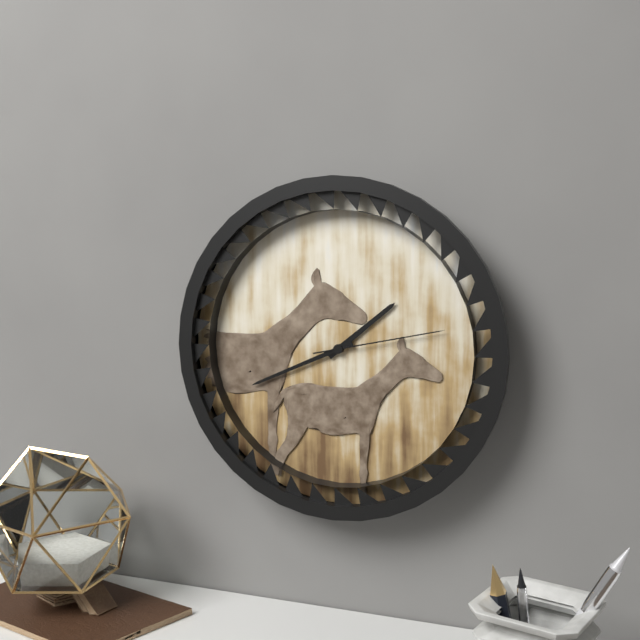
**1:41:13**
